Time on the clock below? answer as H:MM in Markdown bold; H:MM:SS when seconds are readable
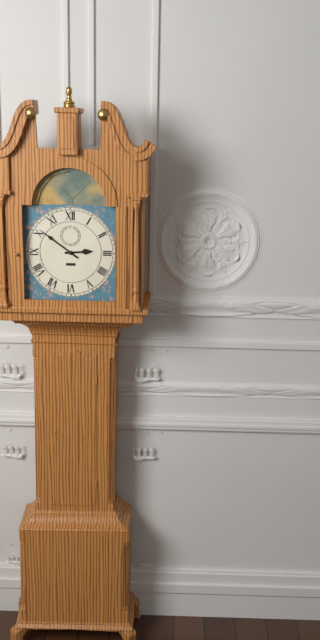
**2:51**
